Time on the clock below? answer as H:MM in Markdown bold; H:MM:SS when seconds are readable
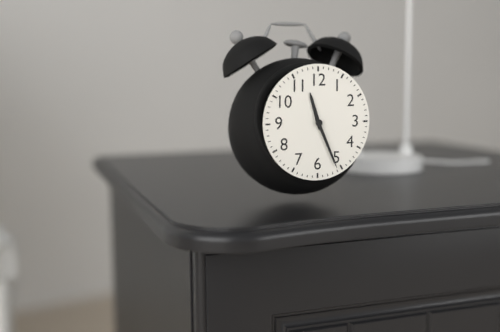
**11:26**
